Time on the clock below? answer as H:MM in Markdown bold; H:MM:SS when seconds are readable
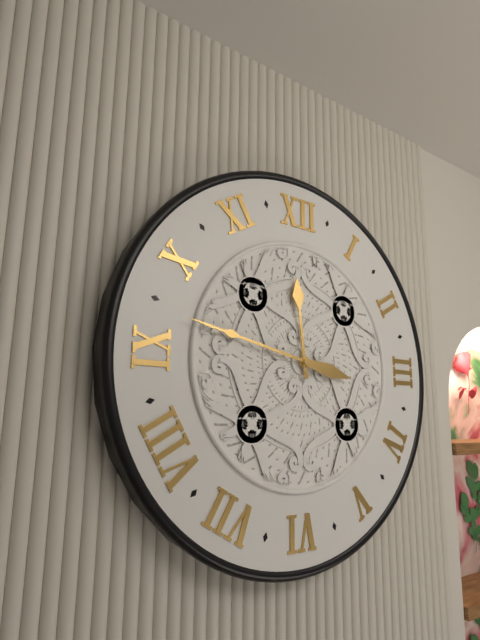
**11:47**
